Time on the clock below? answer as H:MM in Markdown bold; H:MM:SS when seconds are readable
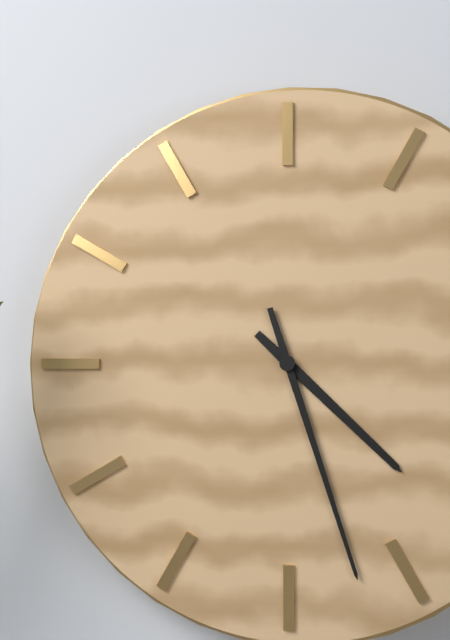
**4:27**
